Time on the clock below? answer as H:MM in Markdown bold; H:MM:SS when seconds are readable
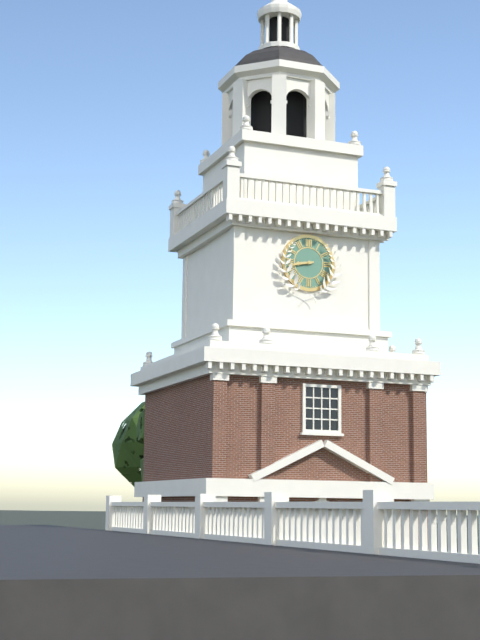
**8:43**
